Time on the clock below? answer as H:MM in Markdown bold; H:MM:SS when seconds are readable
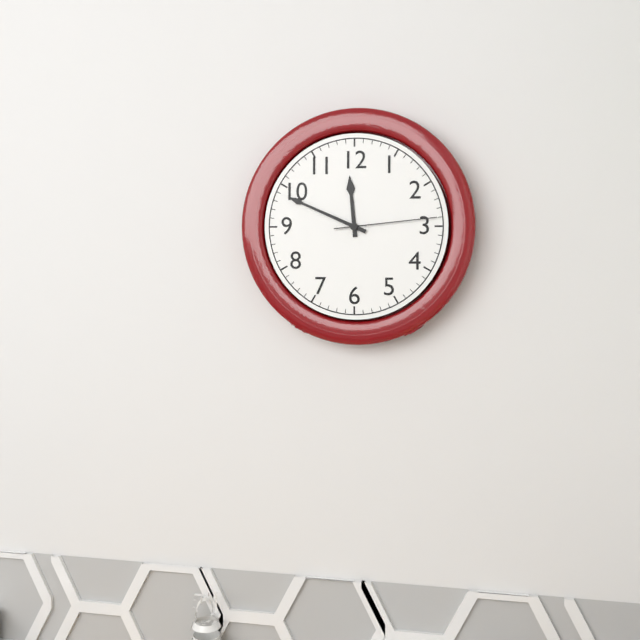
**11:49:14**
